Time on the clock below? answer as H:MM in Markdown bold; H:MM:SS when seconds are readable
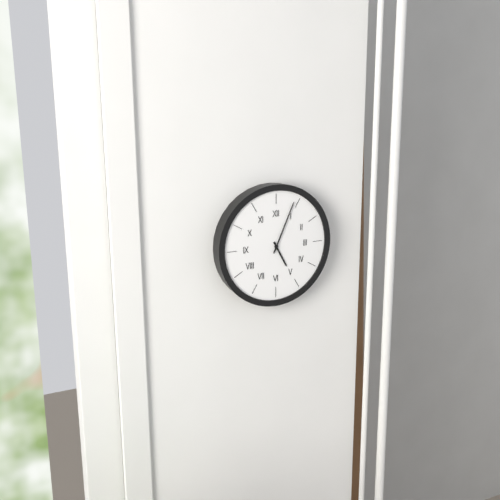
**5:04**
